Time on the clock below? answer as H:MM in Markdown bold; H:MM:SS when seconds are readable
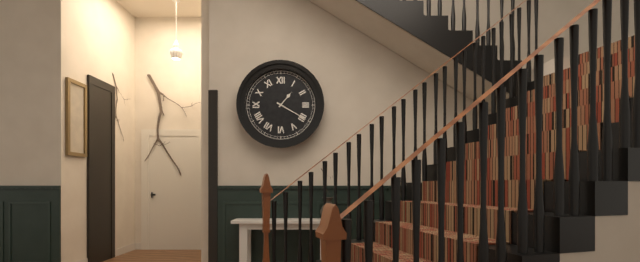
**1:20**
